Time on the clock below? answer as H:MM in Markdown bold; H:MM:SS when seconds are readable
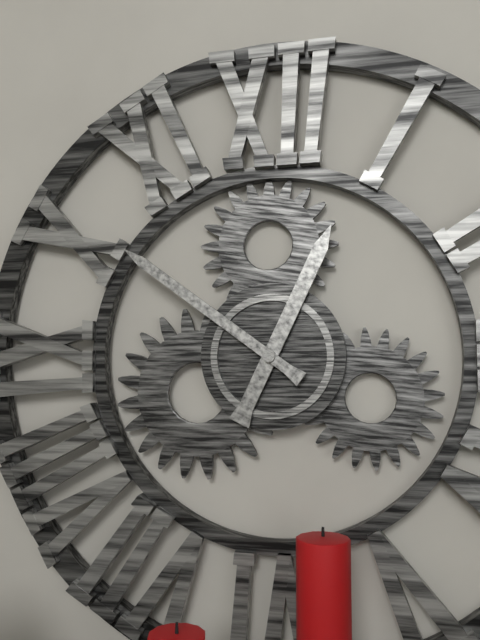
**12:51**
